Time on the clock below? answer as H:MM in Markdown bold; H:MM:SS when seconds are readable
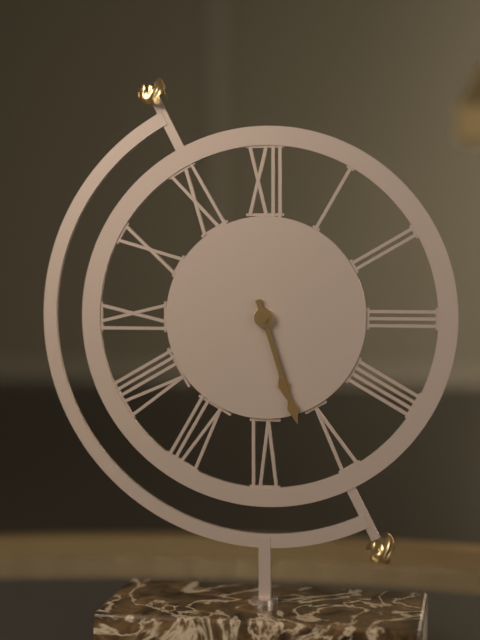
**5:27**
